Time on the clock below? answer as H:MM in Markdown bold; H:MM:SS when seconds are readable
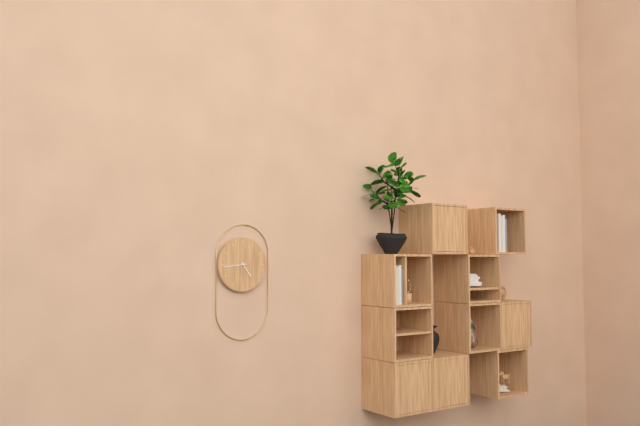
**4:44**
